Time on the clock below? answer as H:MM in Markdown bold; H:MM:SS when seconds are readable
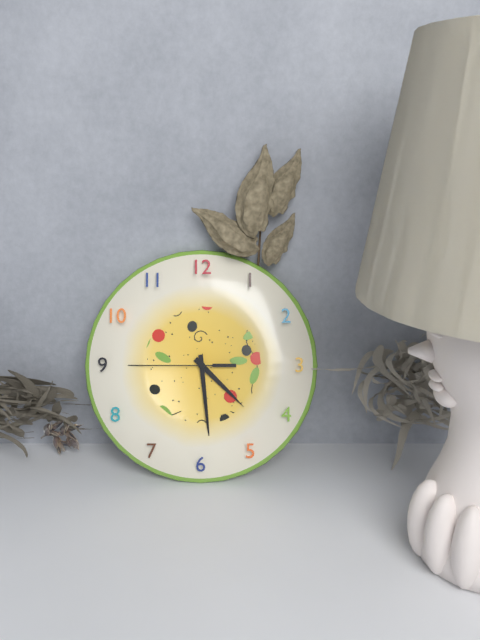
**4:29:45**
